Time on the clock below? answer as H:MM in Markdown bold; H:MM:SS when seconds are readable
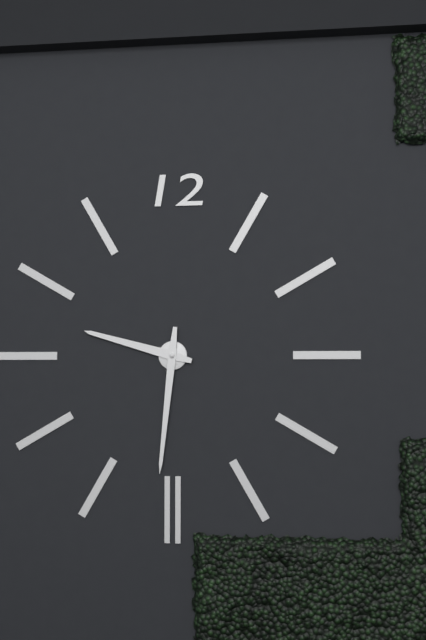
**9:31**
